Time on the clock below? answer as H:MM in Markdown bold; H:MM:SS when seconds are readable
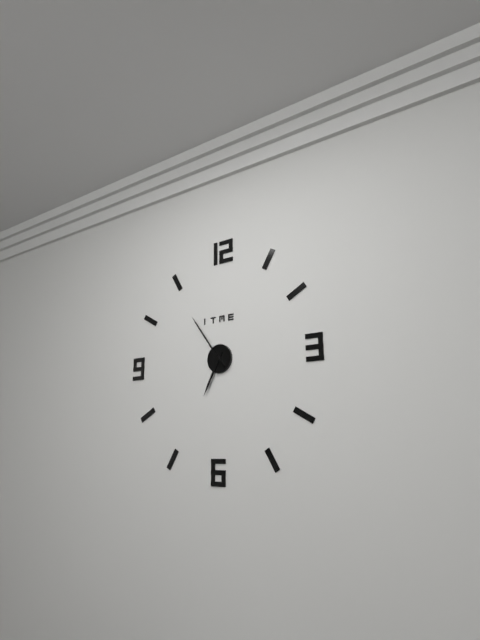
**6:54**
